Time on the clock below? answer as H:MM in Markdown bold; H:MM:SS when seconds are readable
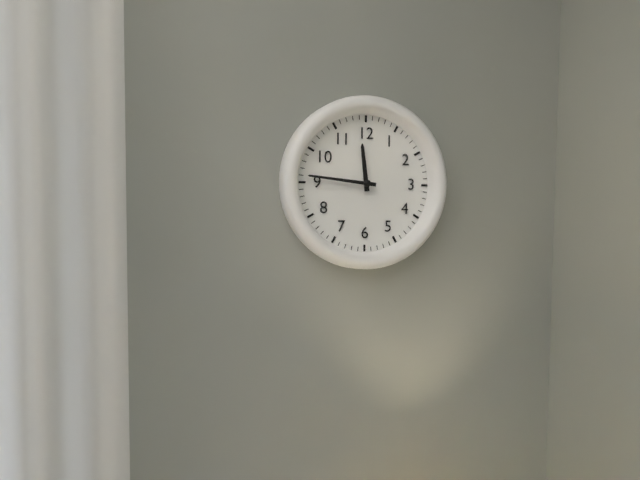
**11:46**
